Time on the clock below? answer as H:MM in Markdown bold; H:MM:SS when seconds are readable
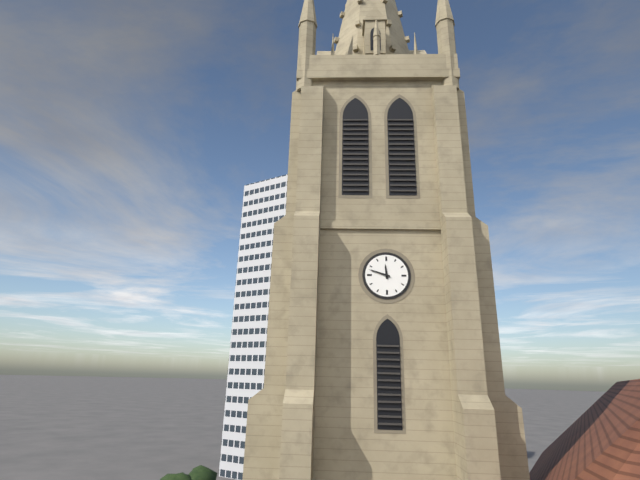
**11:48**
